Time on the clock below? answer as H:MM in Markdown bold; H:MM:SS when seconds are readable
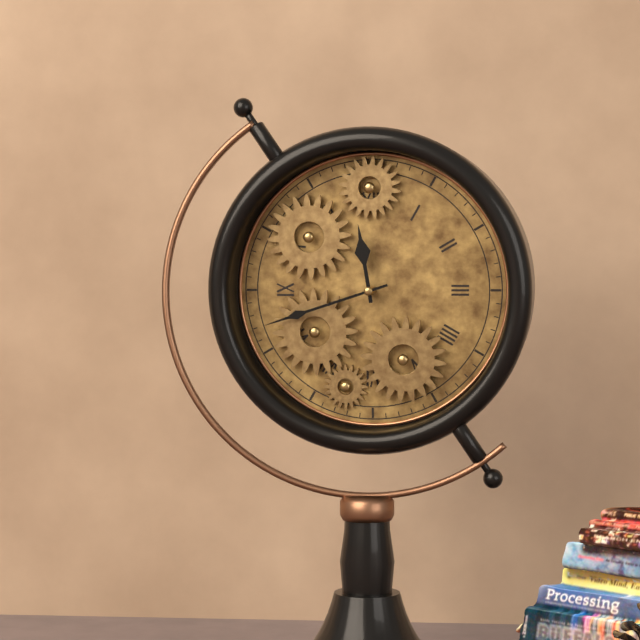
**11:42**
